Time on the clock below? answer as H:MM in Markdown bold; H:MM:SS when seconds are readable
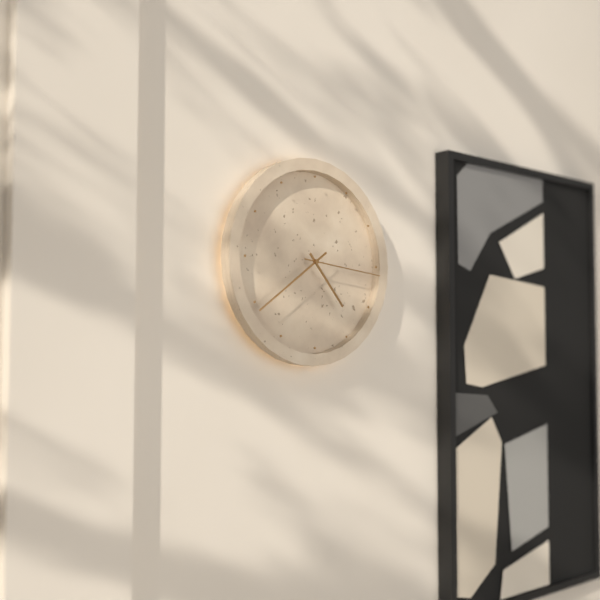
**4:39:16**
